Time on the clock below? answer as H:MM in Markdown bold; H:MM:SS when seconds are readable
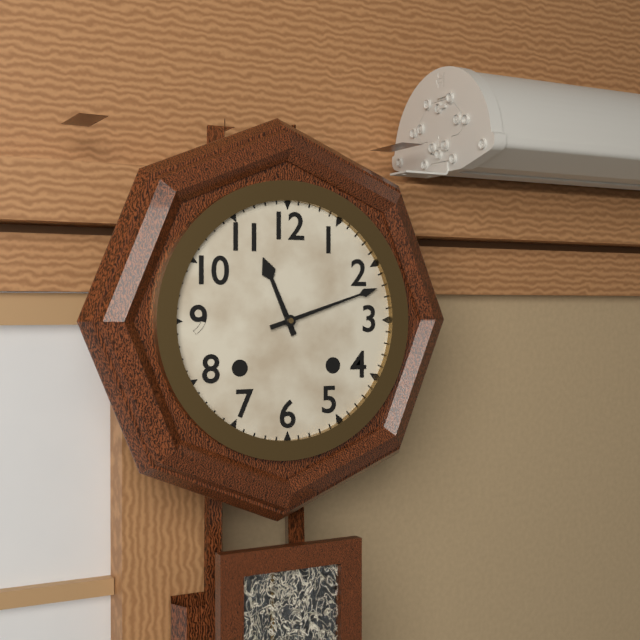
**11:12**
